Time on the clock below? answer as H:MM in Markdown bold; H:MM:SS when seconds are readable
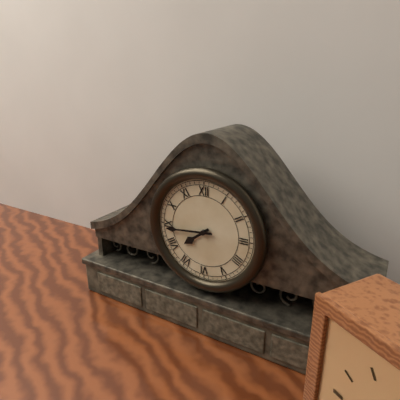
**7:44**
